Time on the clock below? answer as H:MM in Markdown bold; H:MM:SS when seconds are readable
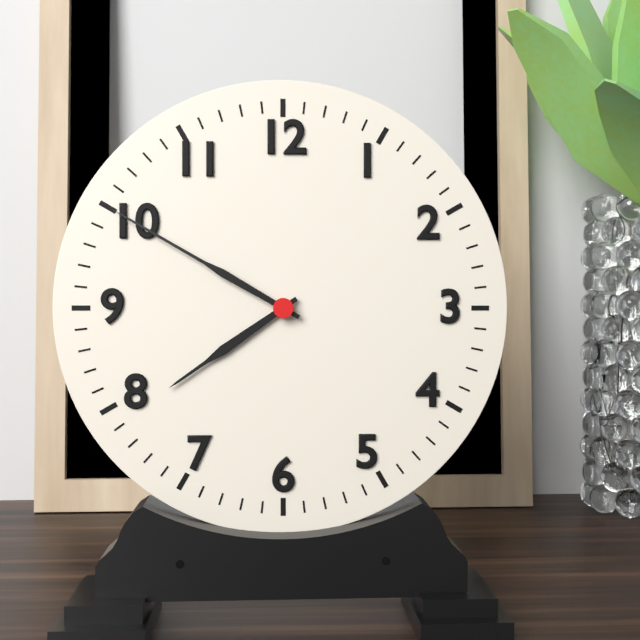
**7:50**
